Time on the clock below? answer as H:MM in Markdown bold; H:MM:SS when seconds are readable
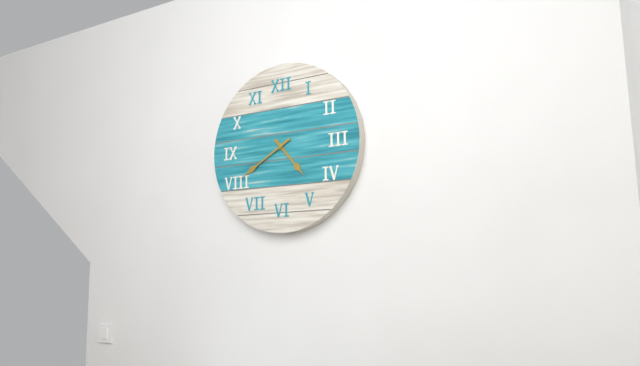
**4:40**
